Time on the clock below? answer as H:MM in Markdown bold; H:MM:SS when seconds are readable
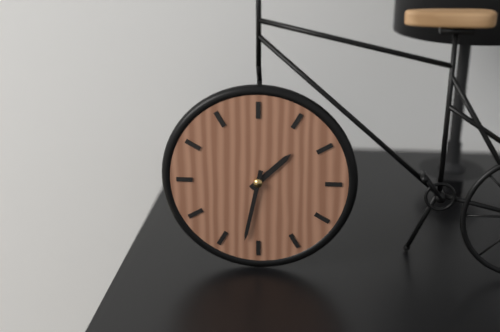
**1:32**
